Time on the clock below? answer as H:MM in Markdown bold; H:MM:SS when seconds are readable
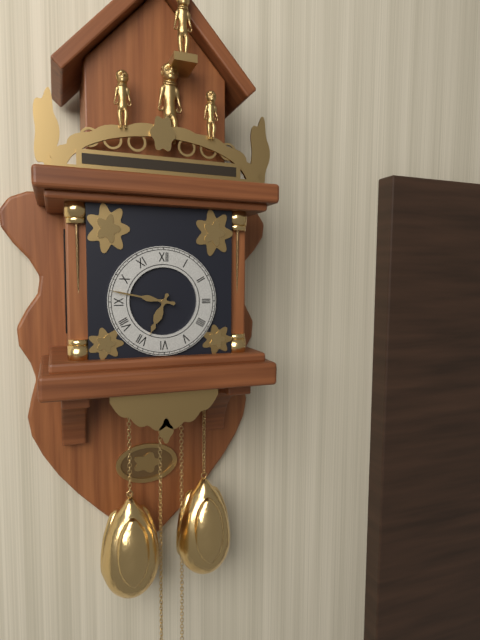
**6:47**
